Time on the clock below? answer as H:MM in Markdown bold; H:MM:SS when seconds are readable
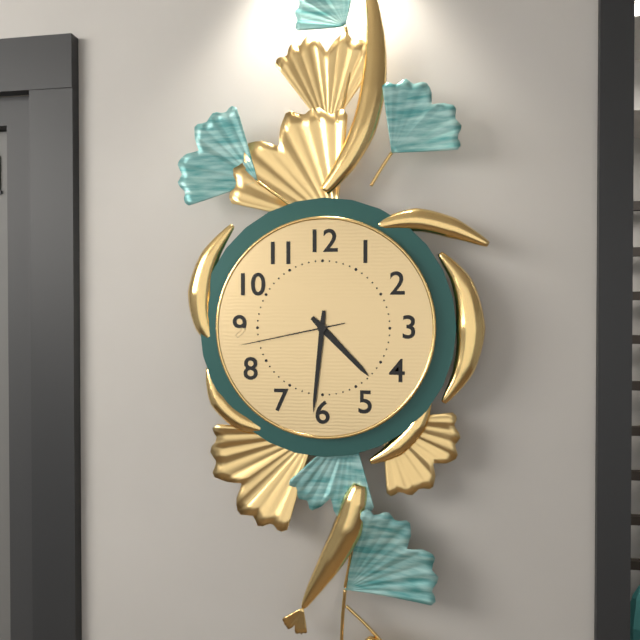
**4:31:43**
